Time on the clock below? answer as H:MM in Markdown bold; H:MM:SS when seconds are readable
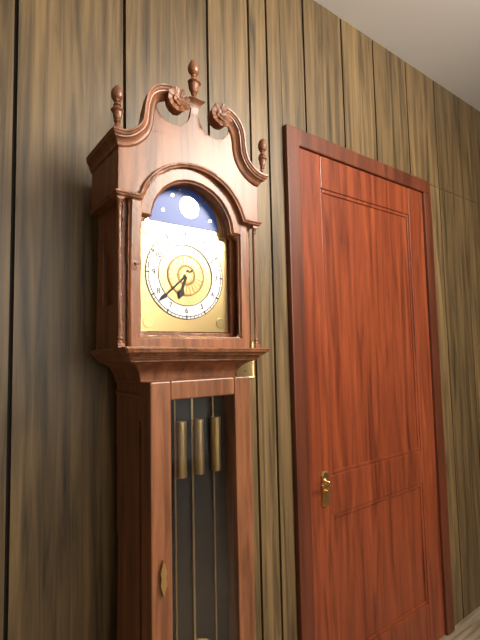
**6:38**
